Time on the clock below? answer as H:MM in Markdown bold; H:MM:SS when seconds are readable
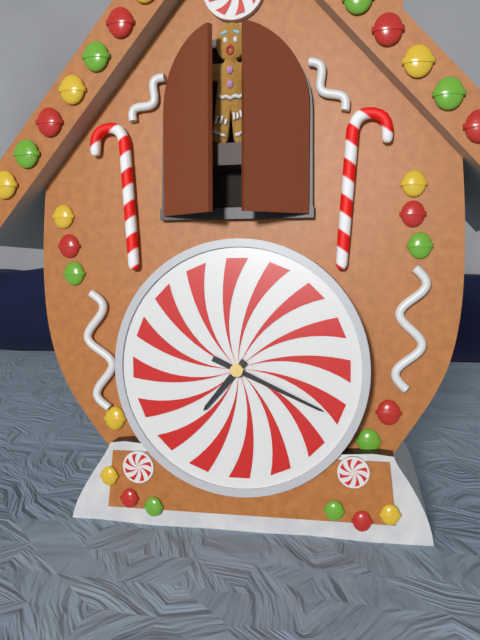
**7:19**
